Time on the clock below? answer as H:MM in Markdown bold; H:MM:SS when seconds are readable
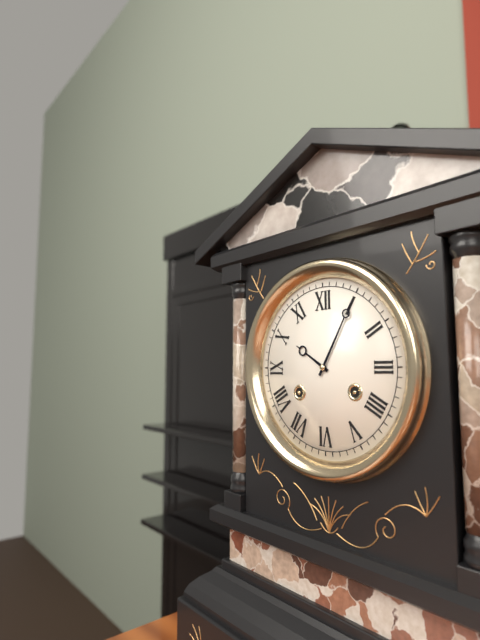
**10:05**
